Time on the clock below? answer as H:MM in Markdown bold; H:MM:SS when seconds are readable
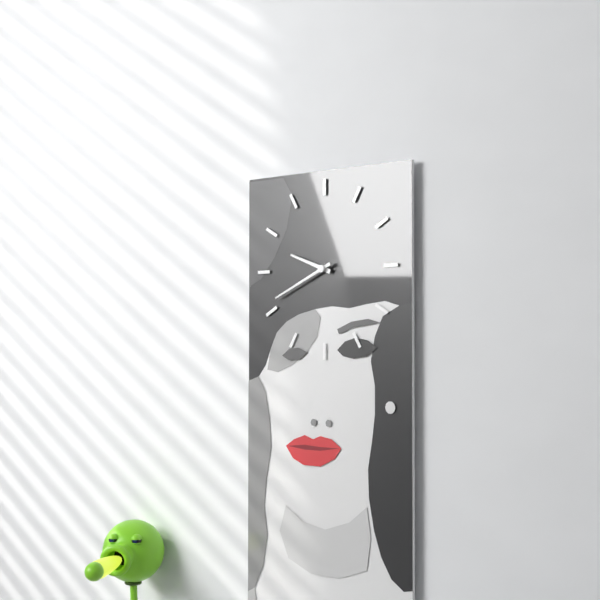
**9:41**
